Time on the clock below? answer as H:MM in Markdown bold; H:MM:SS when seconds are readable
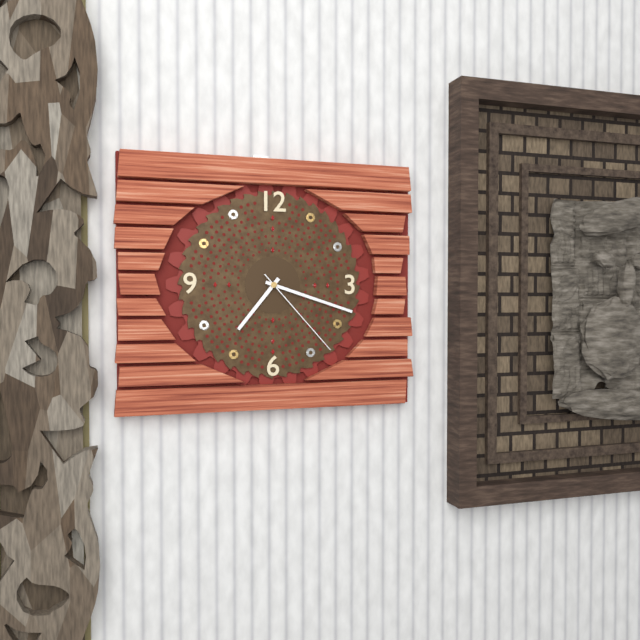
**7:18:23**
